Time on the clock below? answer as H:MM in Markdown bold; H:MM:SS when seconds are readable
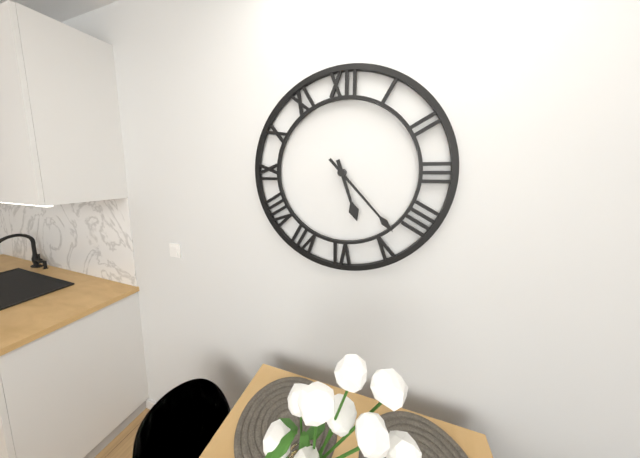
**5:23**
